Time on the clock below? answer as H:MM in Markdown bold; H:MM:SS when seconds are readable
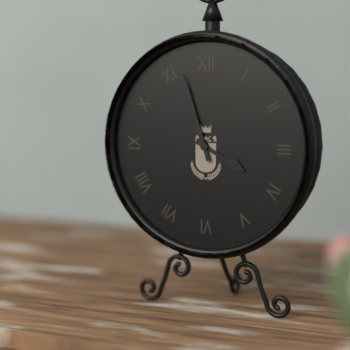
**3:57**
